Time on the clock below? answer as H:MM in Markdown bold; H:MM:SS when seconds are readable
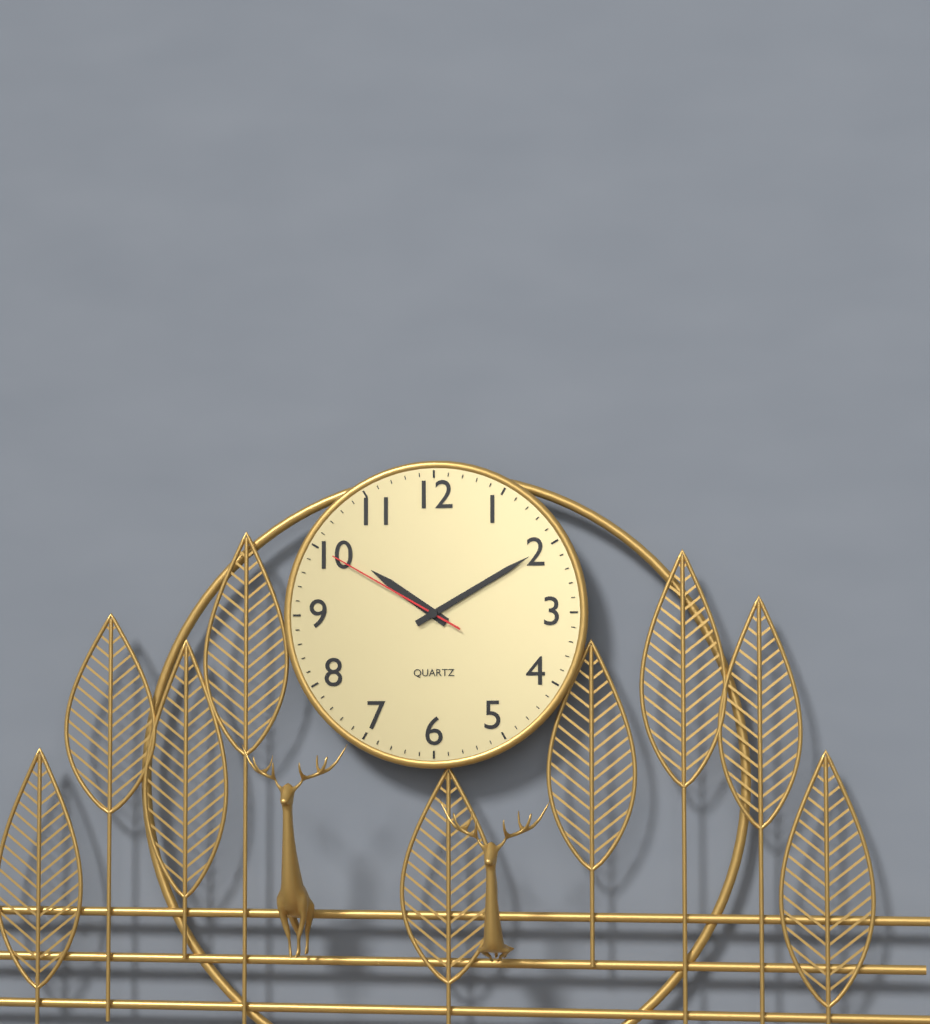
**10:10:50**
